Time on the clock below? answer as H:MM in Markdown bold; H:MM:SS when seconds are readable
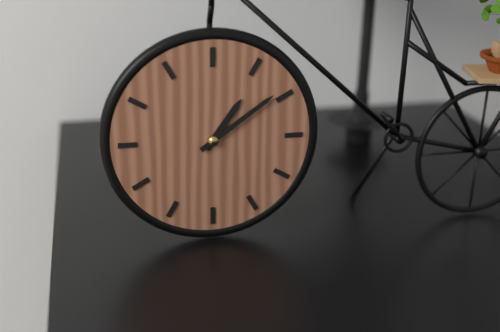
**1:09**
